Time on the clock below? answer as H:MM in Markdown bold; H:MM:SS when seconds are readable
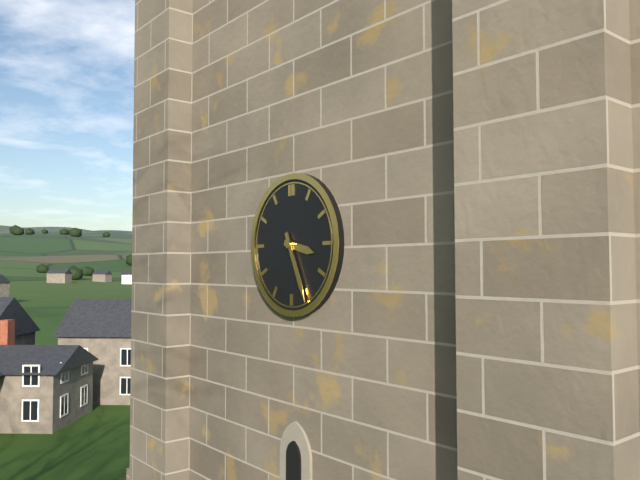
**3:26**
